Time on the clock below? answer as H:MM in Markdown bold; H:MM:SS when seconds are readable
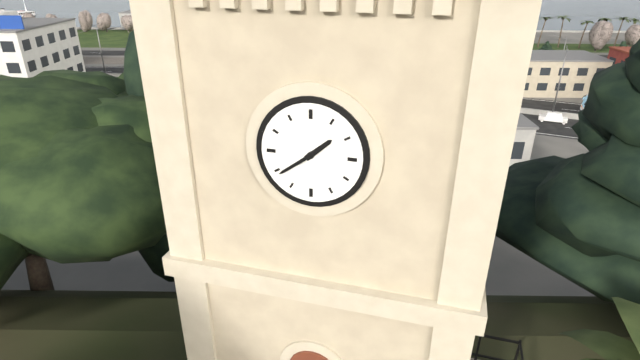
**1:39**
